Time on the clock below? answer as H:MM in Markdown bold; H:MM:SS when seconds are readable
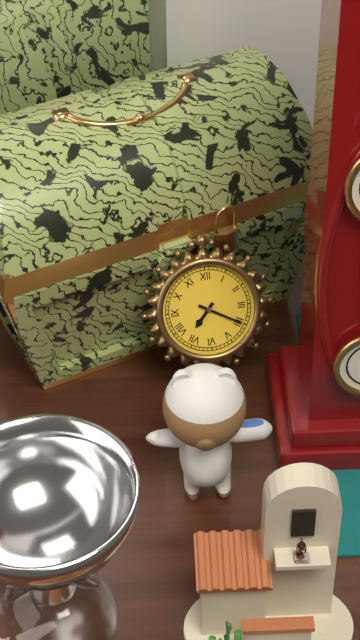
**7:20**
